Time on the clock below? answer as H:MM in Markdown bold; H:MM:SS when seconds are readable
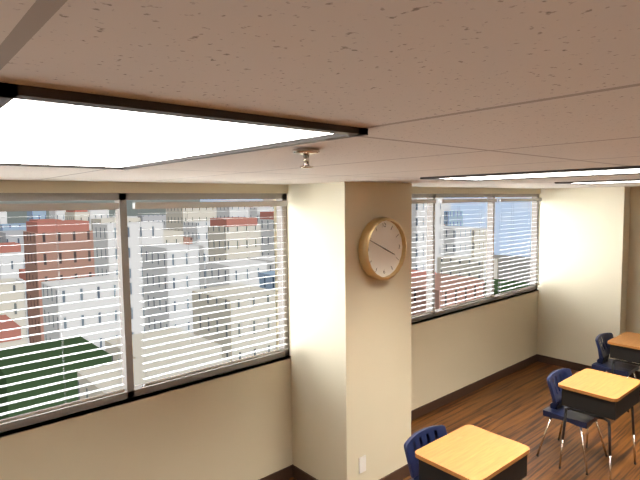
**3:49**
